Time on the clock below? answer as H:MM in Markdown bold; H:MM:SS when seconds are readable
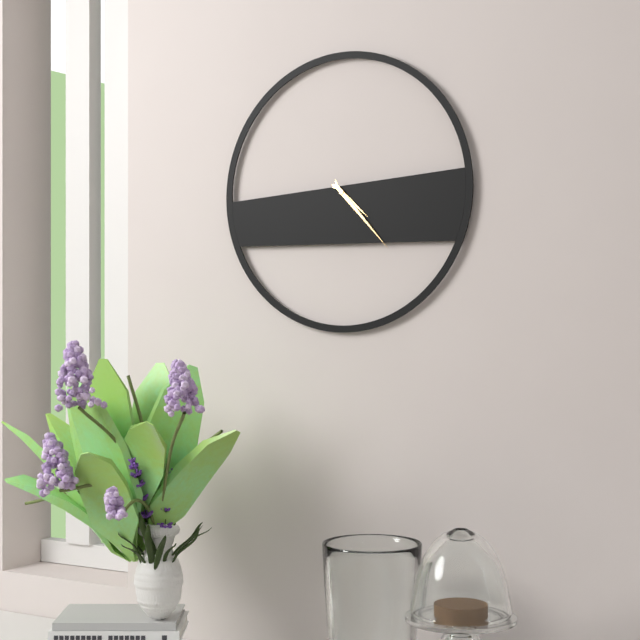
**4:23**
